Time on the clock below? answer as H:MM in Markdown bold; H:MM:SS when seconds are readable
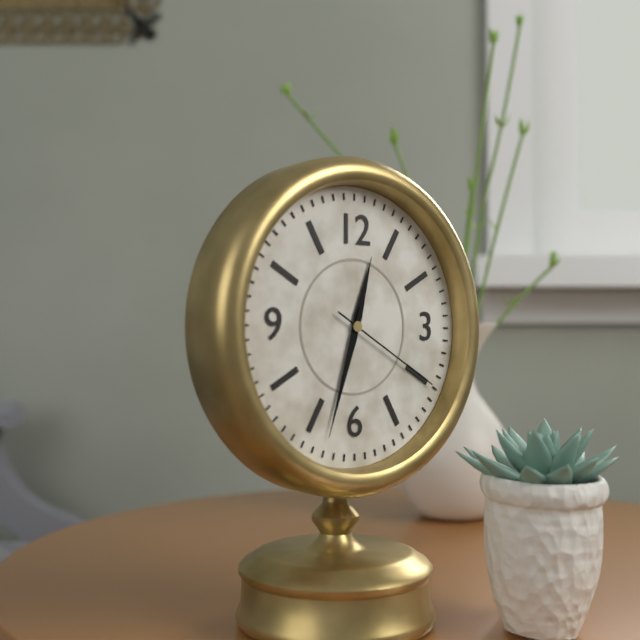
**12:33:20**
